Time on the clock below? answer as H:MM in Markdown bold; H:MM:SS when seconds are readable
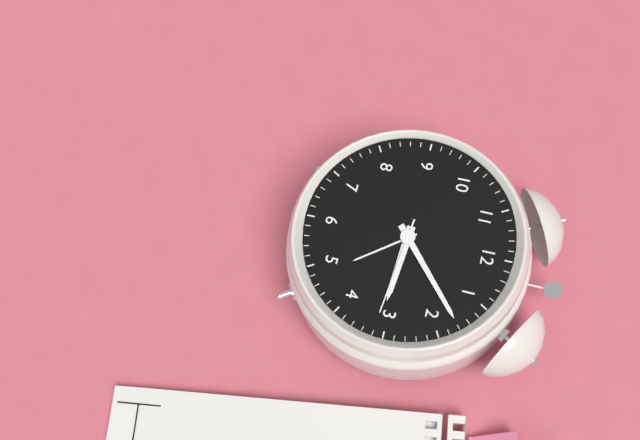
**3:08:16**
